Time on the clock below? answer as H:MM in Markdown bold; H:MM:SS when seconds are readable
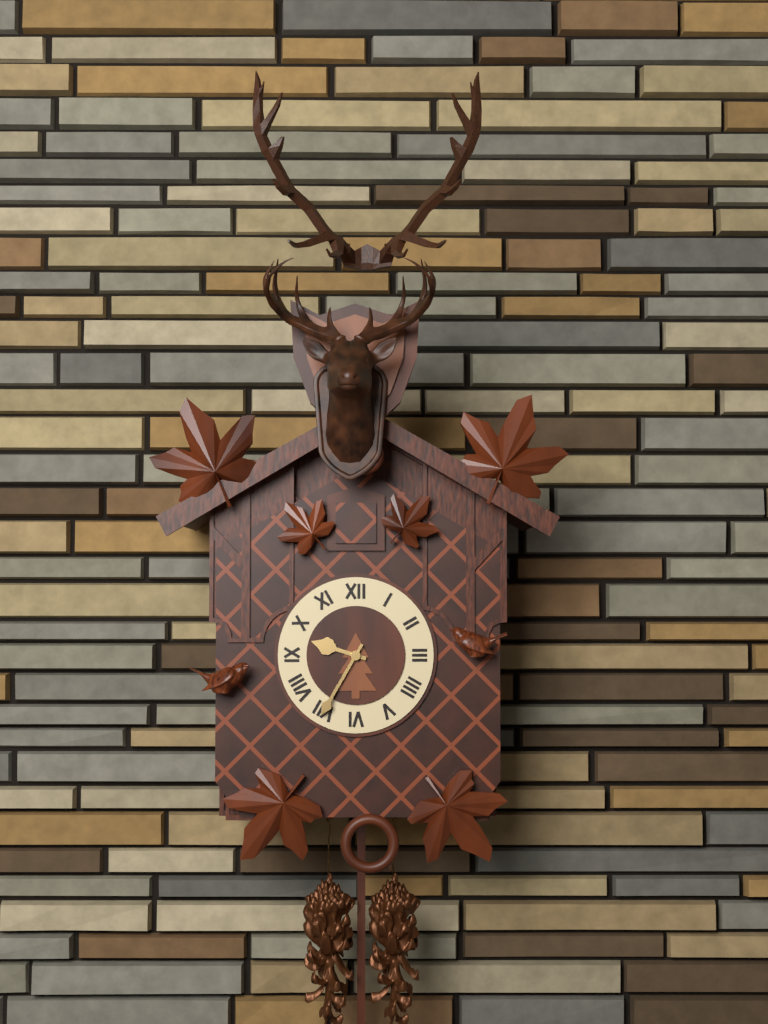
**9:35**
